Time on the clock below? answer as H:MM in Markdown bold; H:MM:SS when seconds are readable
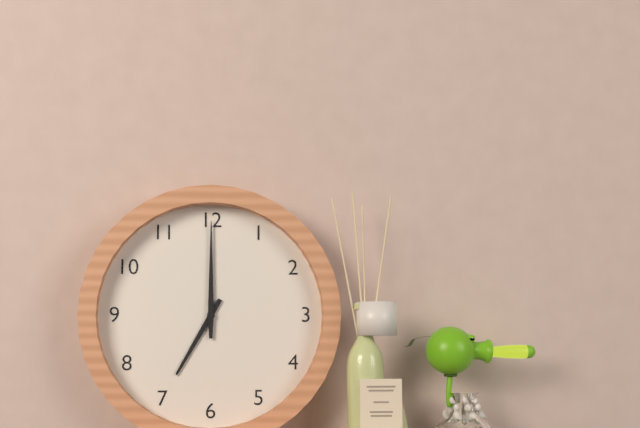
**7:00**
